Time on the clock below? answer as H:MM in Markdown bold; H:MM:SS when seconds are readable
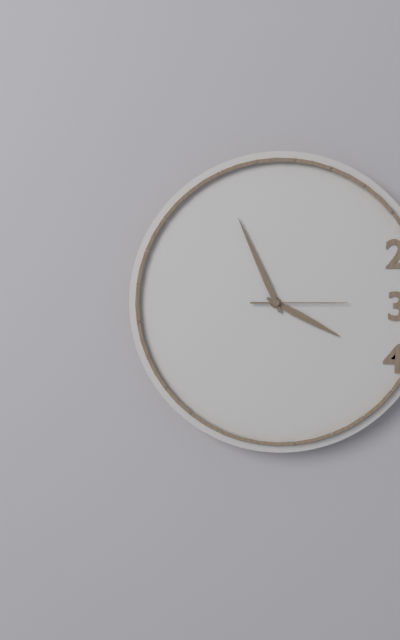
**3:56:15**
